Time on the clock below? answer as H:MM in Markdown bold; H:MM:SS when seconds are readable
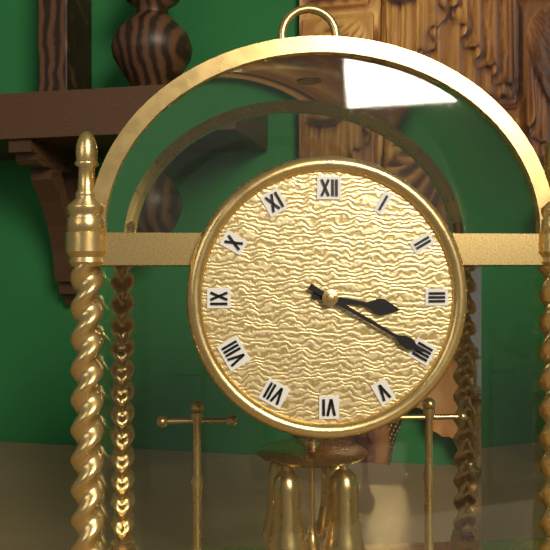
**3:20**
